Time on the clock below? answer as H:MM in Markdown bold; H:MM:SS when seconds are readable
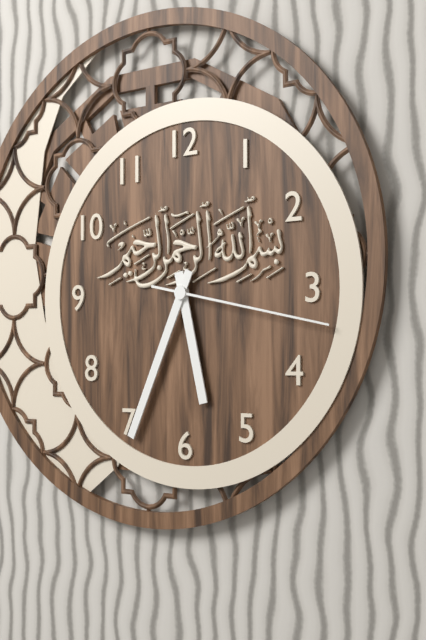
**5:34:17**
